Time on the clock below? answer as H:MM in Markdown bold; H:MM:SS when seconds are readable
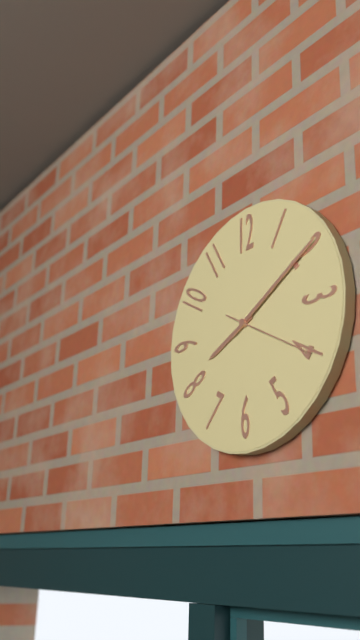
**8:10:20**
